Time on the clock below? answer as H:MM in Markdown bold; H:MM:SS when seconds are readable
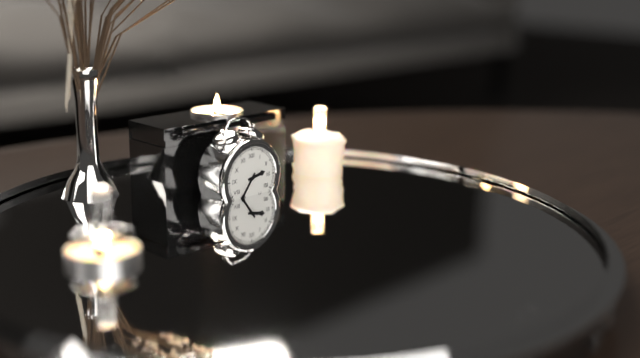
**2:36**
